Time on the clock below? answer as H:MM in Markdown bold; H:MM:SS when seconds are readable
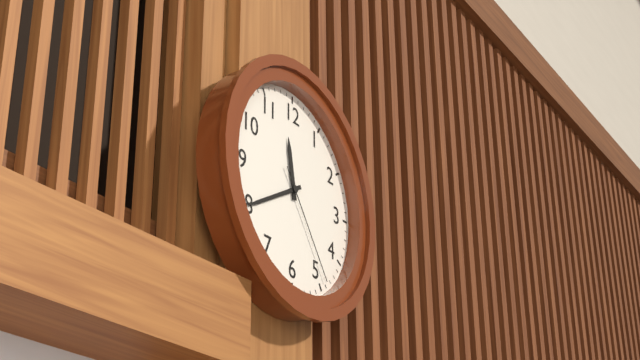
**11:40:24**
